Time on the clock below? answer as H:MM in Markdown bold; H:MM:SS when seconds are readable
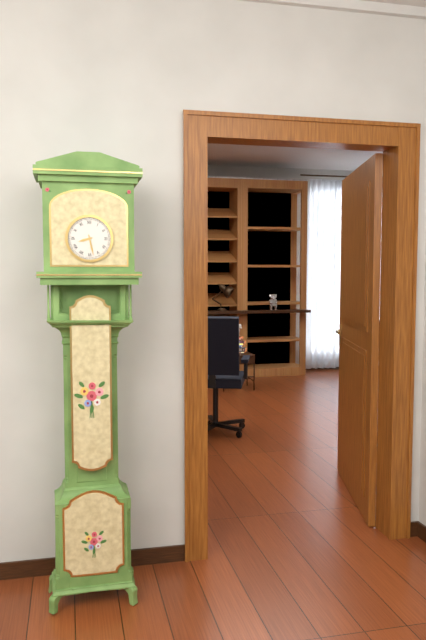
**8:28**
